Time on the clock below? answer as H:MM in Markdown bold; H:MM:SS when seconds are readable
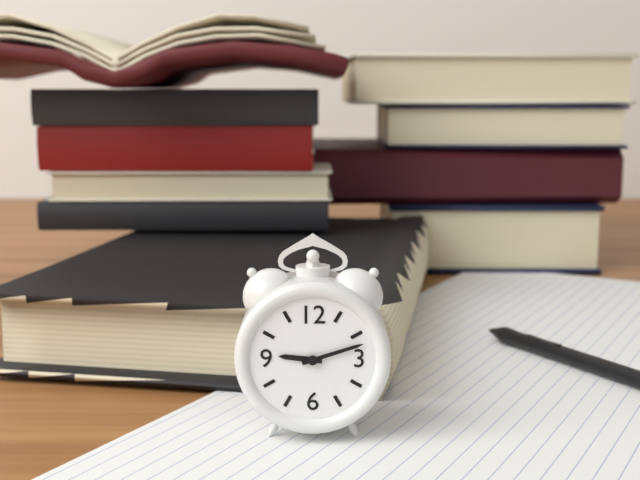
**9:12**
